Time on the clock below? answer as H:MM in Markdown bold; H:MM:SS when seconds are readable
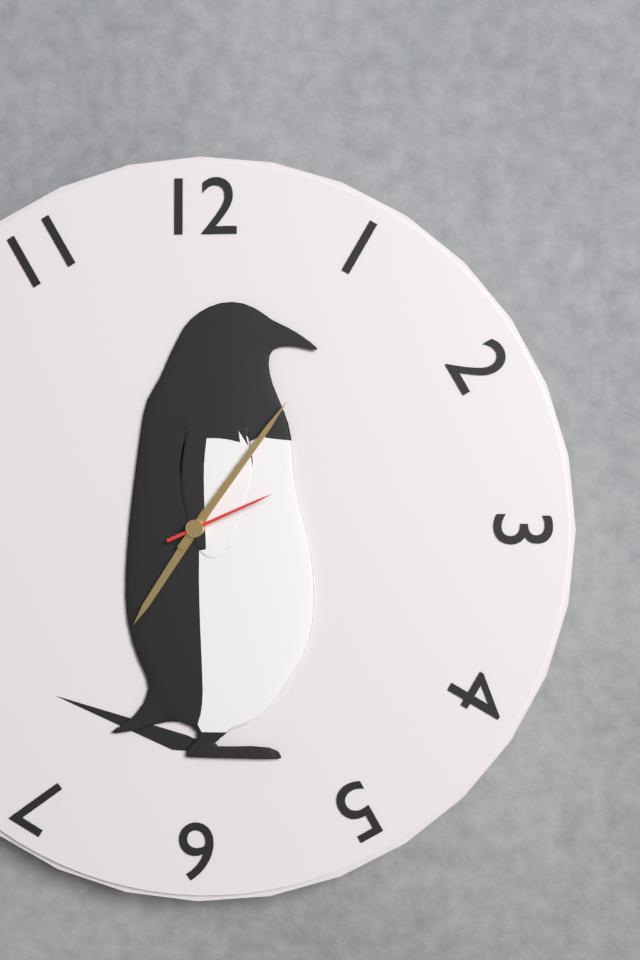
**7:06:11**
